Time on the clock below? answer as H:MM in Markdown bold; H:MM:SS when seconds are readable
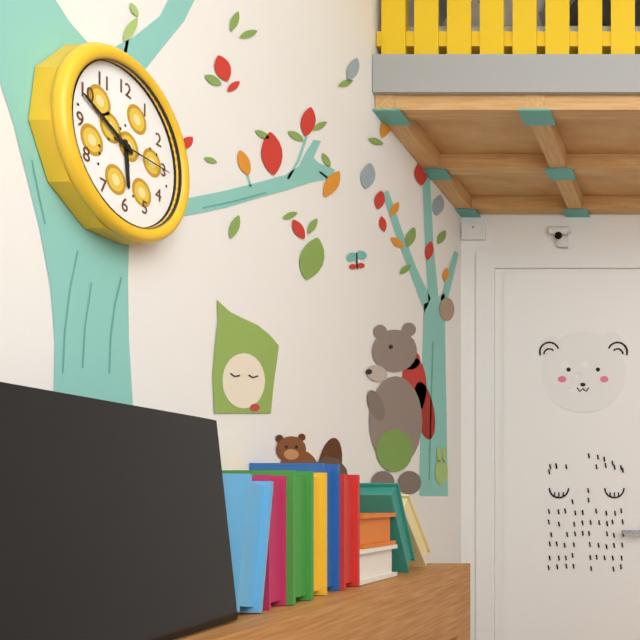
**5:49:15**
